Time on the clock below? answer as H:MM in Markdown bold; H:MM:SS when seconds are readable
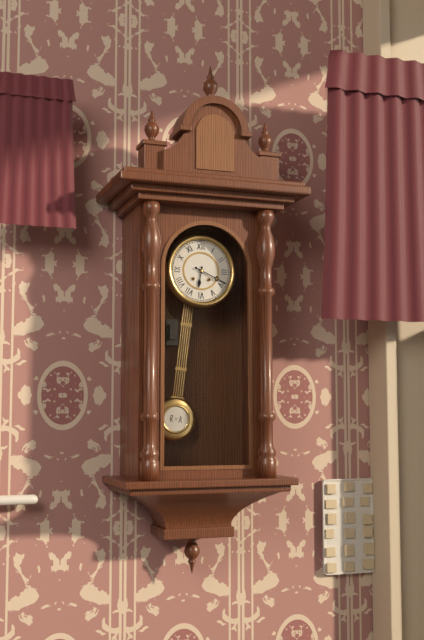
**6:19**
